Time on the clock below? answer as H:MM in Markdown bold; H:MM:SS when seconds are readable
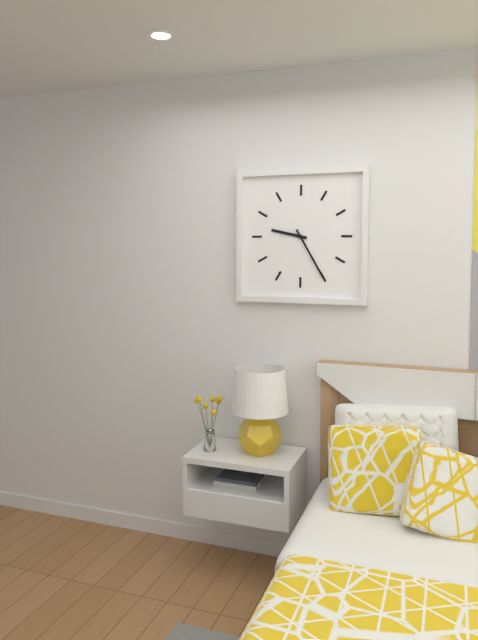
**9:25**
